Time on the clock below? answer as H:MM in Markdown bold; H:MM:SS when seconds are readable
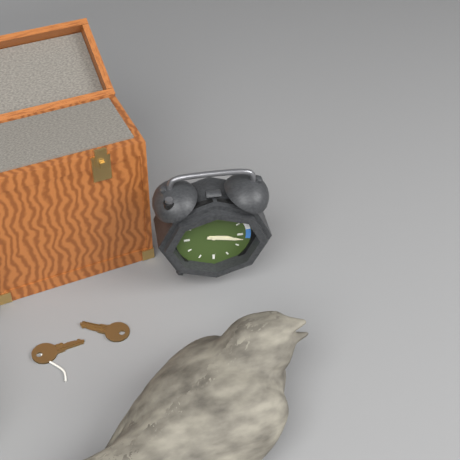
**3:17**
